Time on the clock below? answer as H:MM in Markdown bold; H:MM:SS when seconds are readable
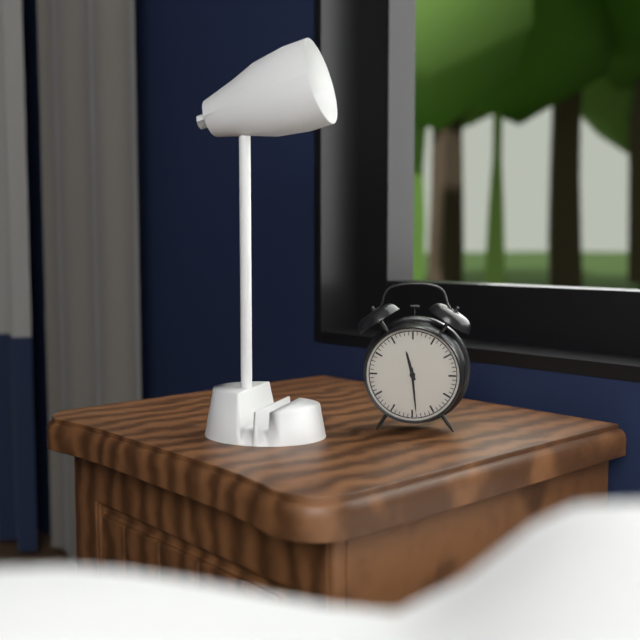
**11:29**
